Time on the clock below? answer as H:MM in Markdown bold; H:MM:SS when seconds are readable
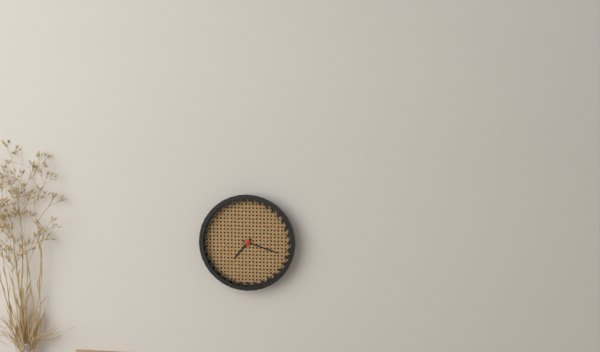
**7:18**
